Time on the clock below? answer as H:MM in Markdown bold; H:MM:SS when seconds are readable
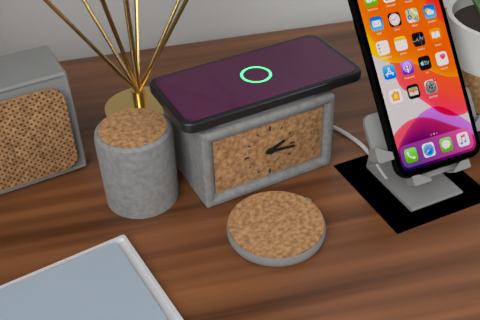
**2:16**
